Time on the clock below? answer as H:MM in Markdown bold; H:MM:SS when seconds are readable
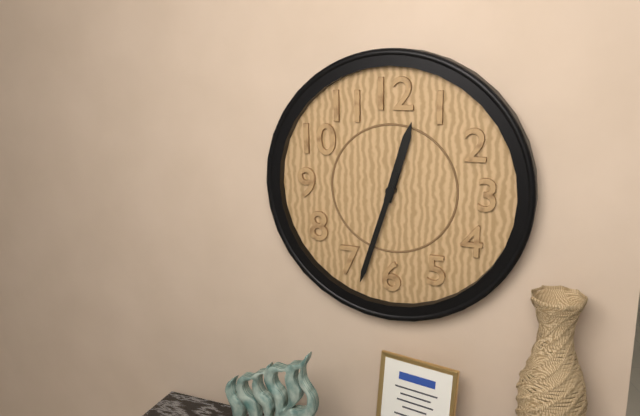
**12:33**
